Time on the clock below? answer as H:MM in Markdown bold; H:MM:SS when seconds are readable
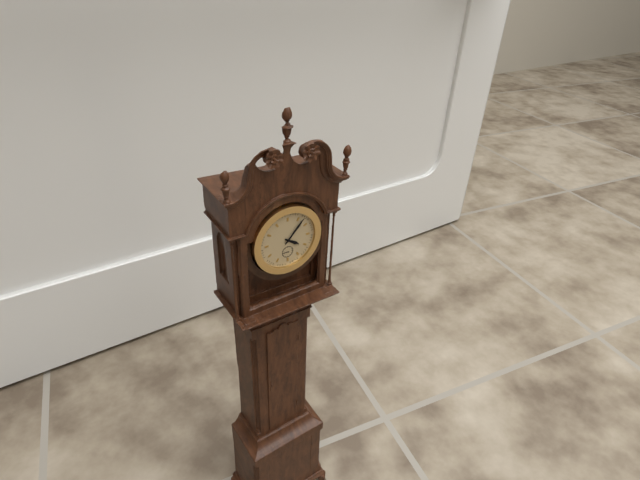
**4:07**
